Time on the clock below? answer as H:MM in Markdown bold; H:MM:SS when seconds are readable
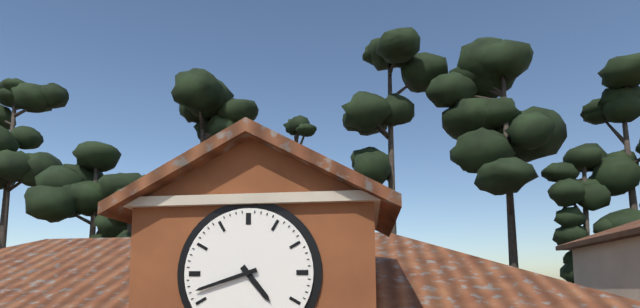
**4:42**
